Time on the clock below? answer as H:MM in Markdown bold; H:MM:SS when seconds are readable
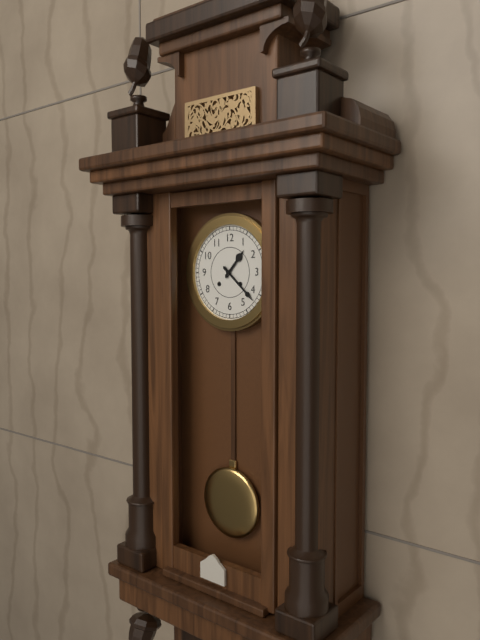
**1:22**
